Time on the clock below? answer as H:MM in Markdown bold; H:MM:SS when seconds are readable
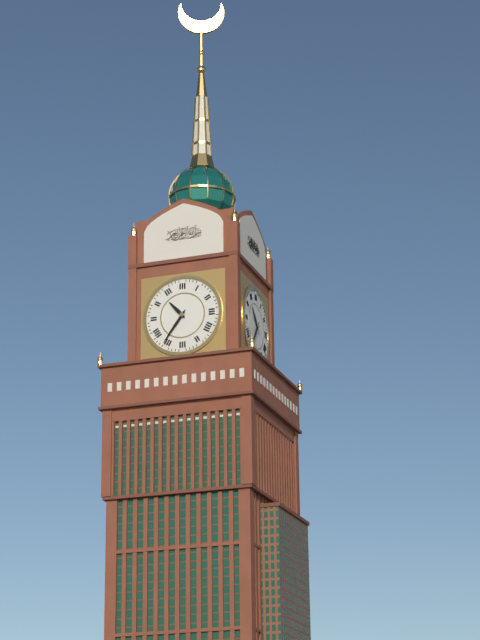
**10:36**
